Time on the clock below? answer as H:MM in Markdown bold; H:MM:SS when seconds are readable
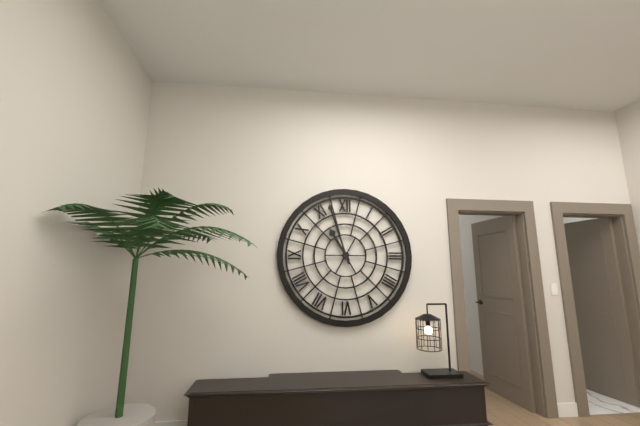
**10:57**
